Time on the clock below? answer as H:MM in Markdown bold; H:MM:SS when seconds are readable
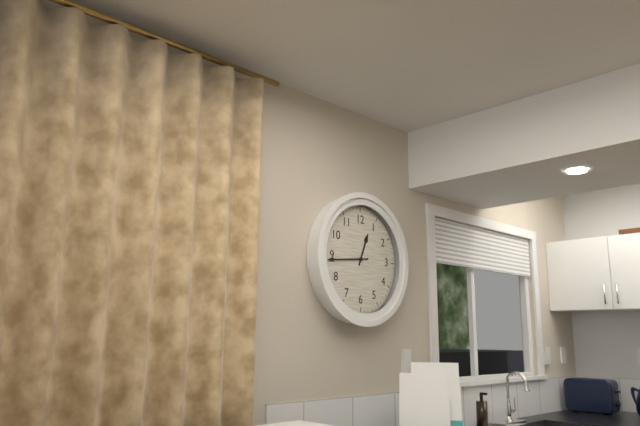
**12:44**
